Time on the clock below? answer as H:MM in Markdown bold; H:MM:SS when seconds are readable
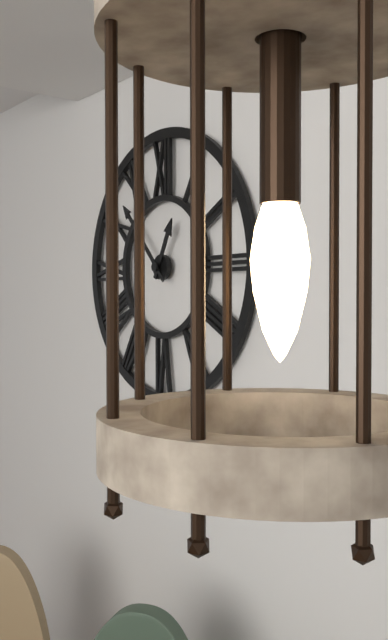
**12:53**
